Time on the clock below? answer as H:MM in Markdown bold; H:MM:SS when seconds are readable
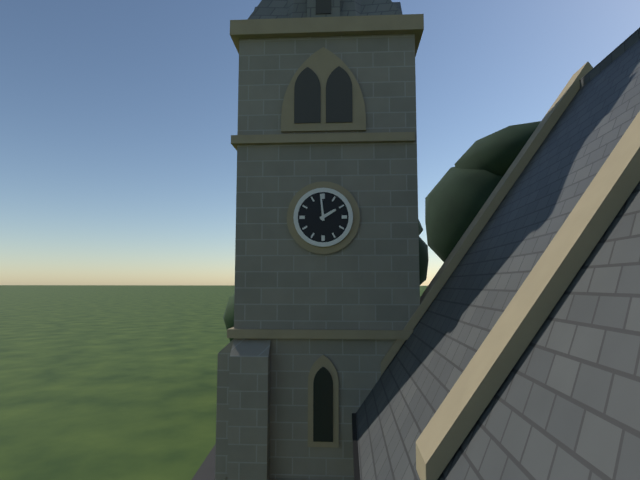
**1:59**
